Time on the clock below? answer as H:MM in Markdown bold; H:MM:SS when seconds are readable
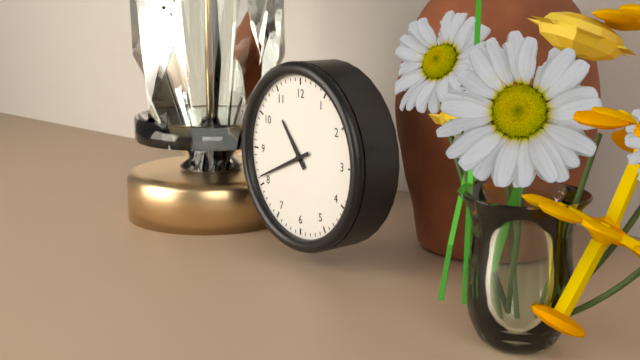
**10:41**
